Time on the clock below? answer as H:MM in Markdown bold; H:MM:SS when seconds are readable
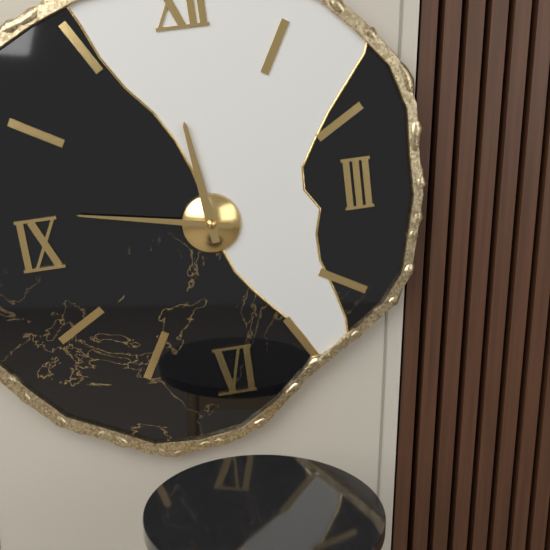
**11:47**
